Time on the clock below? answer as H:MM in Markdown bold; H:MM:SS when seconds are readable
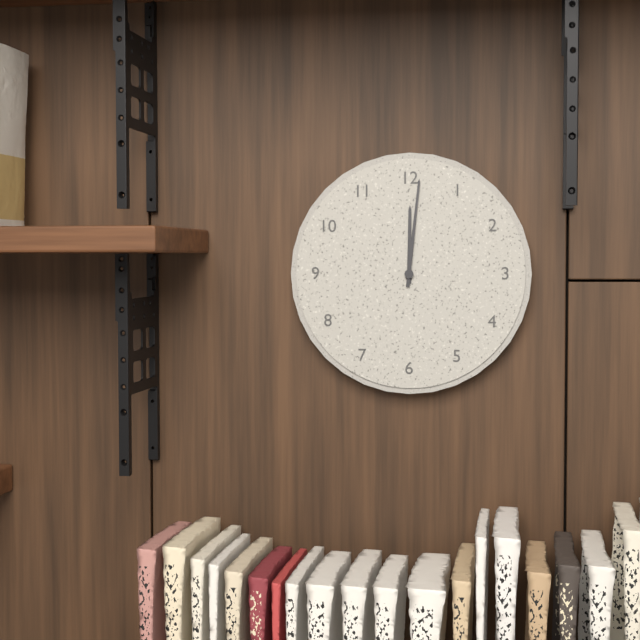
**12:01**
